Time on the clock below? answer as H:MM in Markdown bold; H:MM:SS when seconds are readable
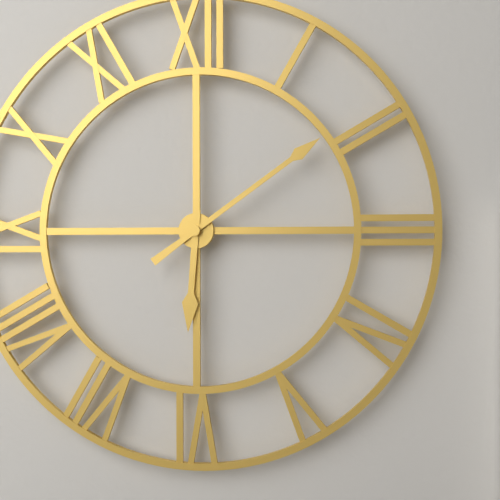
**6:09**
